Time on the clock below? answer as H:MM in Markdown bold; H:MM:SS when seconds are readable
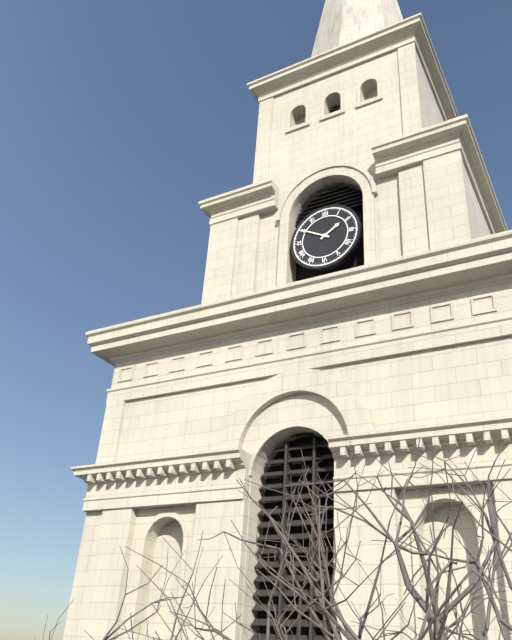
**1:50**
